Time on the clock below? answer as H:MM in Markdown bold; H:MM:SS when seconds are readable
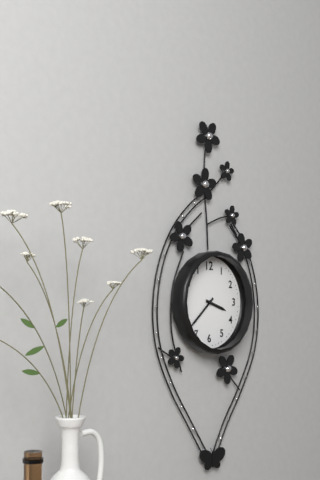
**3:38**
